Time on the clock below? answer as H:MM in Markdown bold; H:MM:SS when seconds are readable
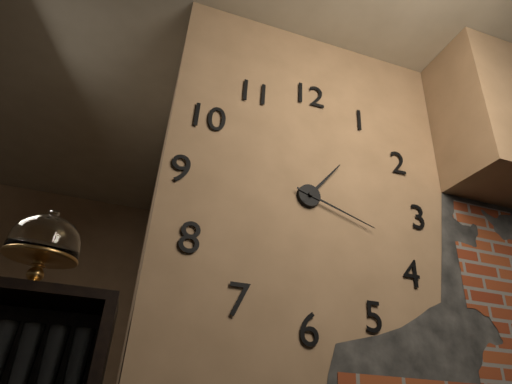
**1:18**
